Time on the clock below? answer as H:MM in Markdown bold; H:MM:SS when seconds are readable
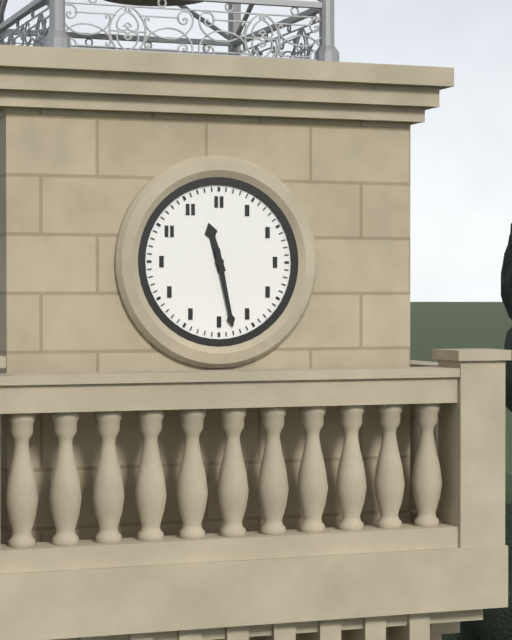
**11:28**
